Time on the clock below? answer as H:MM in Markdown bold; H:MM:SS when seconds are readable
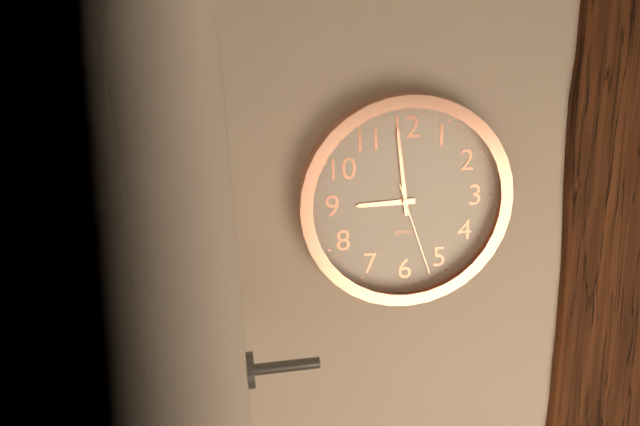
**8:59:27**
